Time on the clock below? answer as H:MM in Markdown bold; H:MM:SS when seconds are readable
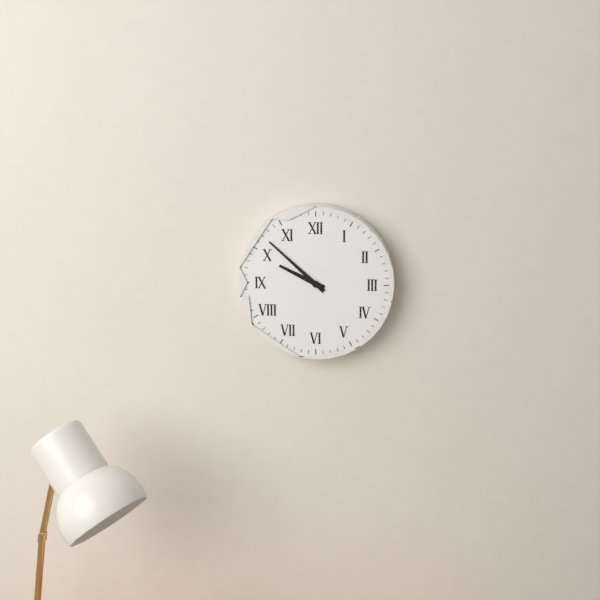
**9:52**
